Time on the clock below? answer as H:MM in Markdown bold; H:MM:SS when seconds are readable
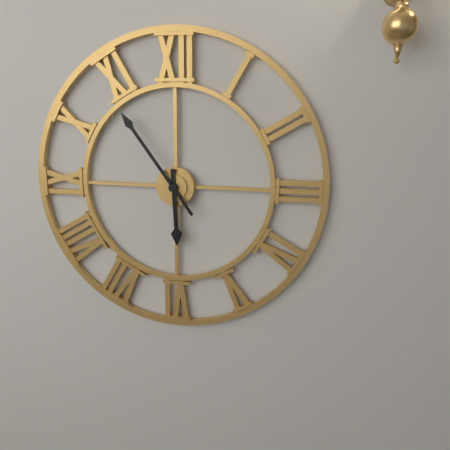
**5:54**
